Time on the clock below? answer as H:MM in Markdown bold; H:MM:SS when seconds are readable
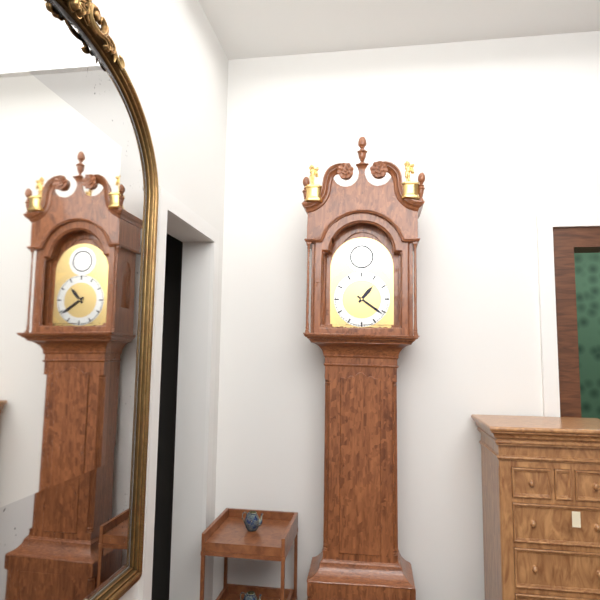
**1:21**
